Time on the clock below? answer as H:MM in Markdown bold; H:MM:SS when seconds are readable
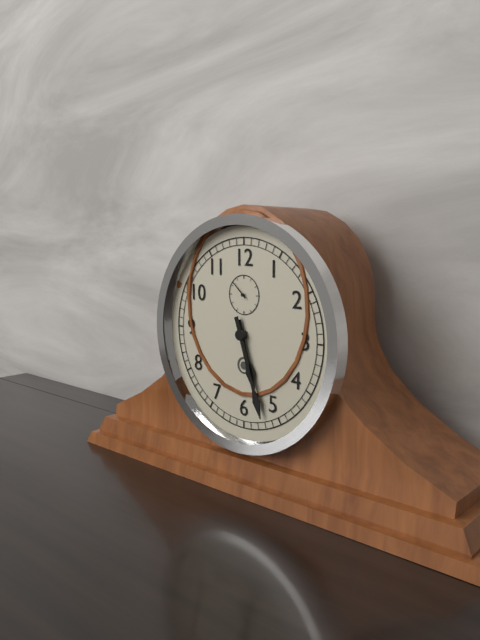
**5:27**
